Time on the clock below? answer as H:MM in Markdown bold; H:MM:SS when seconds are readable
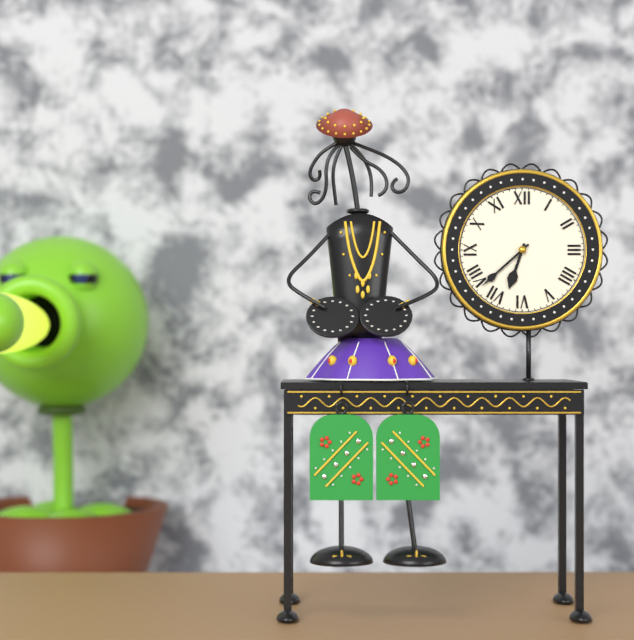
**6:38**
